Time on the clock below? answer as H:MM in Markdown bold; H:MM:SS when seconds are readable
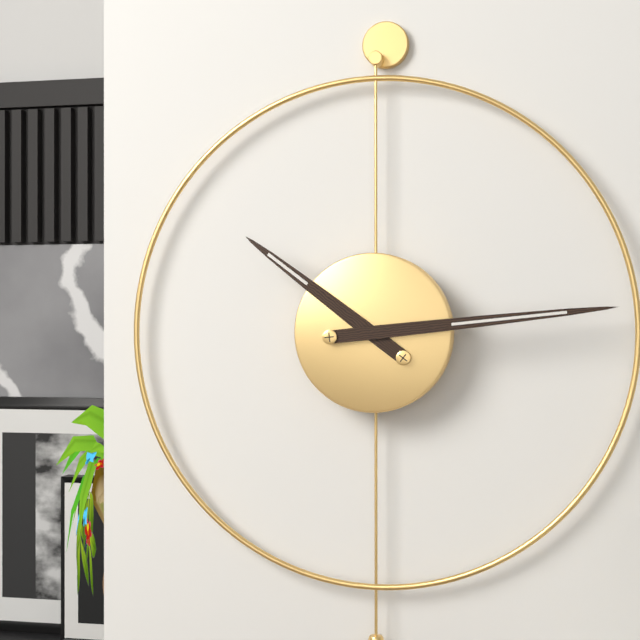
**10:14**
